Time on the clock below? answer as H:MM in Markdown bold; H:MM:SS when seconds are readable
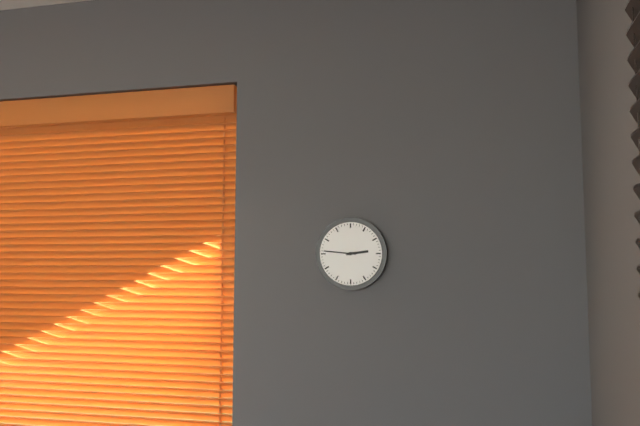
**2:46**
